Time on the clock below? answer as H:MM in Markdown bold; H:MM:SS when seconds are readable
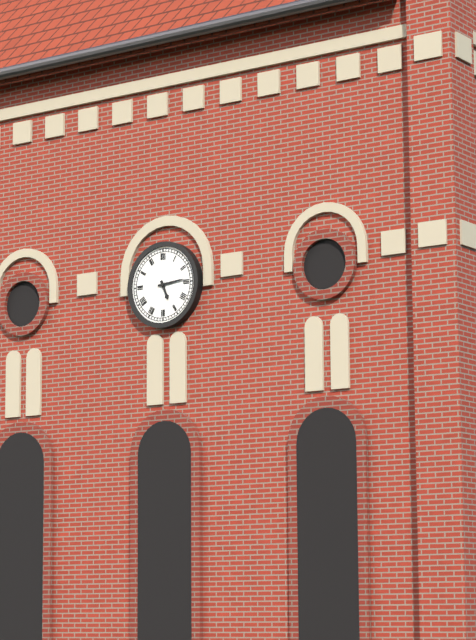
**5:14**
